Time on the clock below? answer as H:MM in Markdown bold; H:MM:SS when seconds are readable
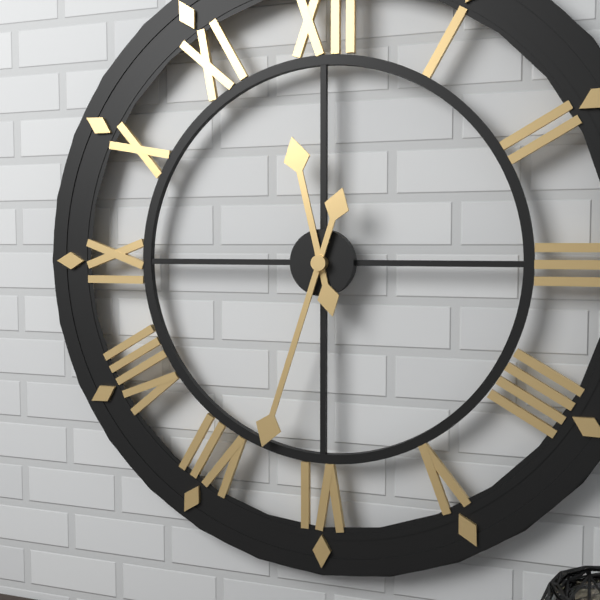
**11:33**
